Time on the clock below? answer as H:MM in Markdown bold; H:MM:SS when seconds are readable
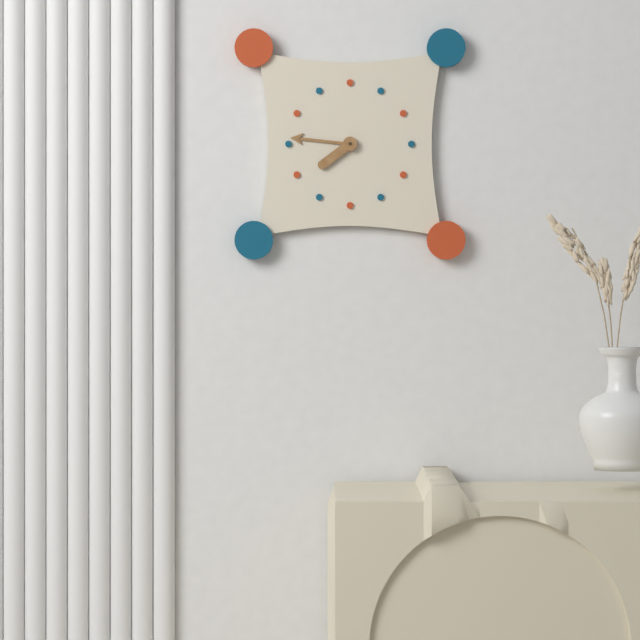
**7:46**
